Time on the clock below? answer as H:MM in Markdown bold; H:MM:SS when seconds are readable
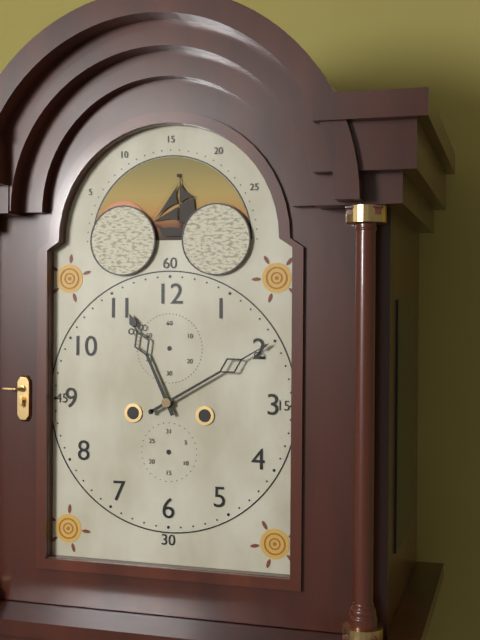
**11:10**
